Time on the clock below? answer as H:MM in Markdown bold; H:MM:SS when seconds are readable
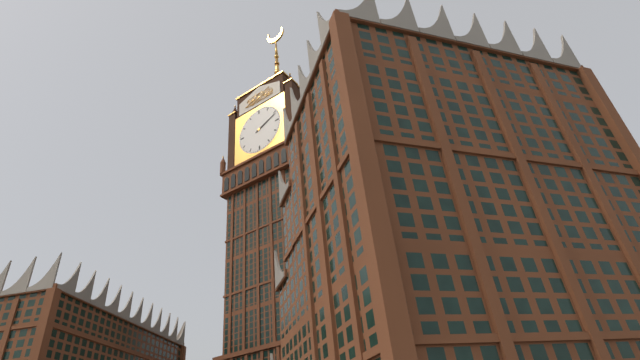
**2:11**
